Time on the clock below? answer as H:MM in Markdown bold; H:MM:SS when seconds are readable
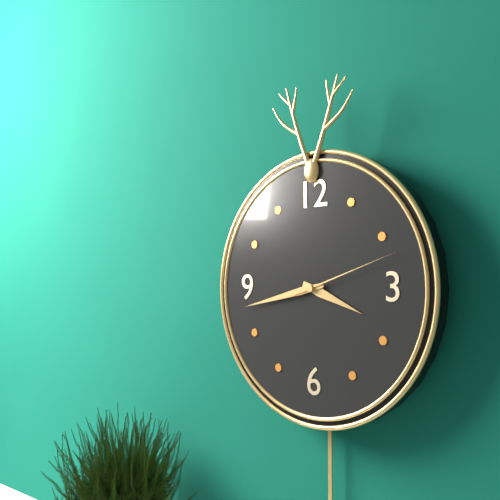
**3:43:12**
